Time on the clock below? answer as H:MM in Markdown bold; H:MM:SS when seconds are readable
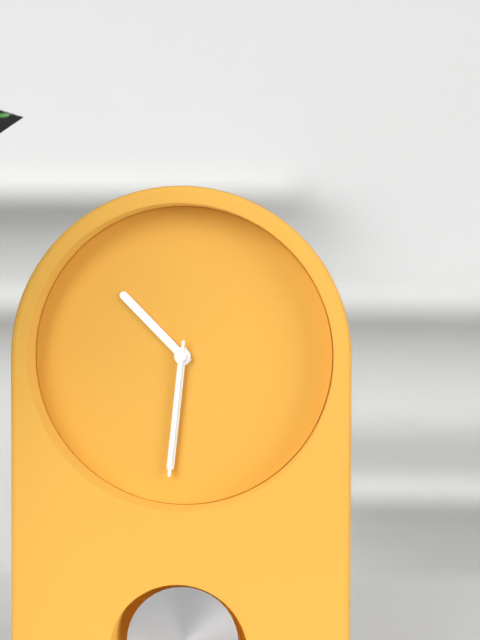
**10:31:31**
